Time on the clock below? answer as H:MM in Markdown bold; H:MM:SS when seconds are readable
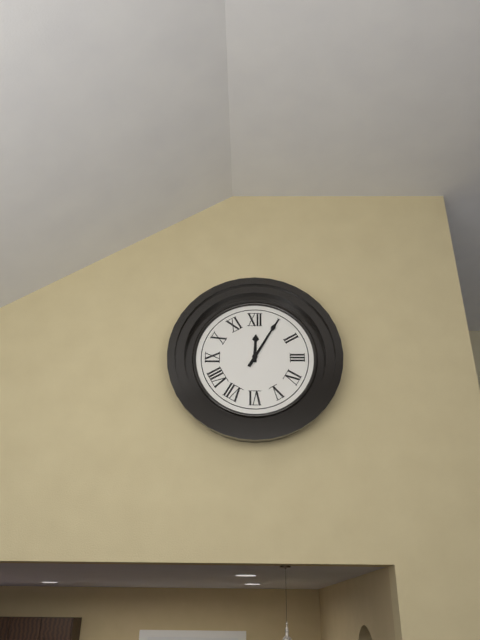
**12:05**
